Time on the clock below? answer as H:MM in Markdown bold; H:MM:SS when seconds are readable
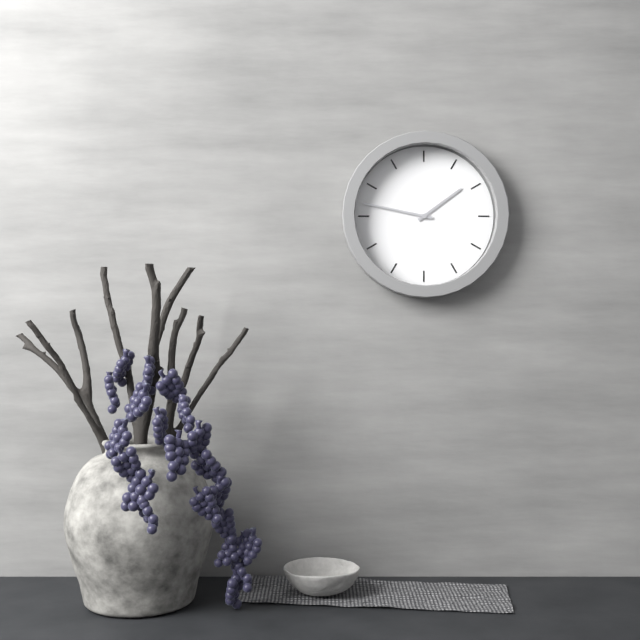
**1:47**
